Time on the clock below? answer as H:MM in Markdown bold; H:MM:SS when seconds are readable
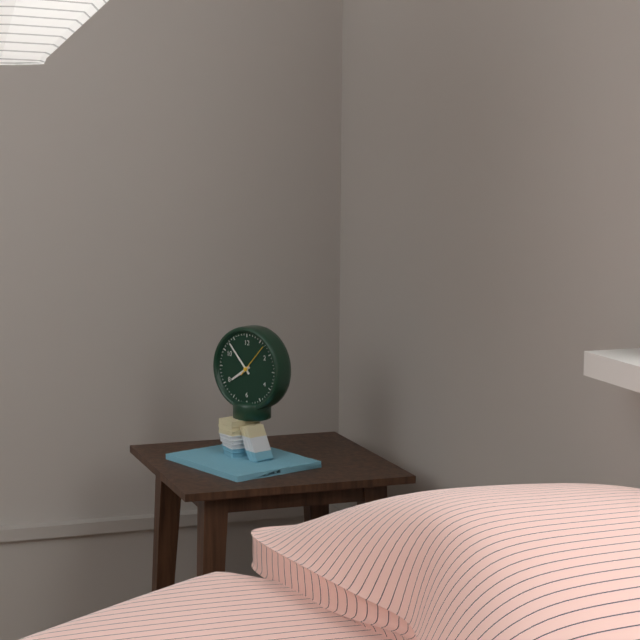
**7:53**
